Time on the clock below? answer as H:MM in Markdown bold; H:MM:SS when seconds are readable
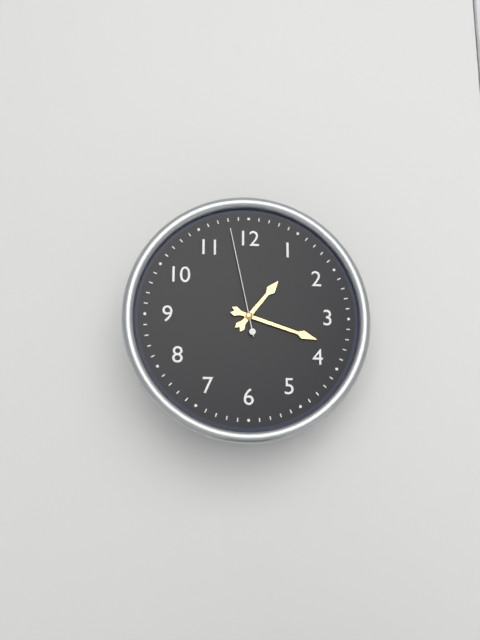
**1:18:58**
